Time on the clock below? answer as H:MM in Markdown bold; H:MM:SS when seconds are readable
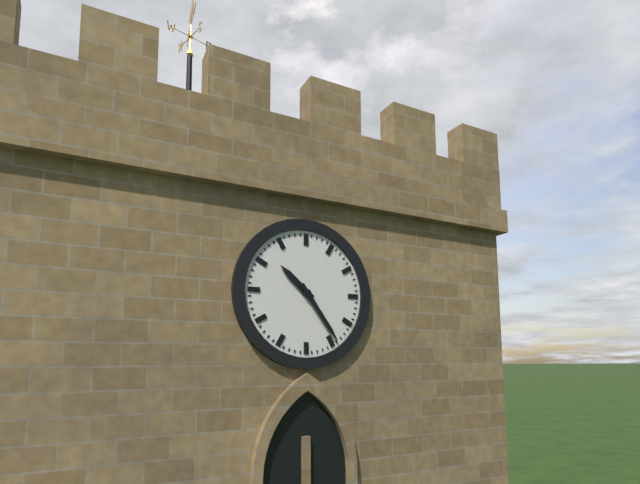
**10:24**
